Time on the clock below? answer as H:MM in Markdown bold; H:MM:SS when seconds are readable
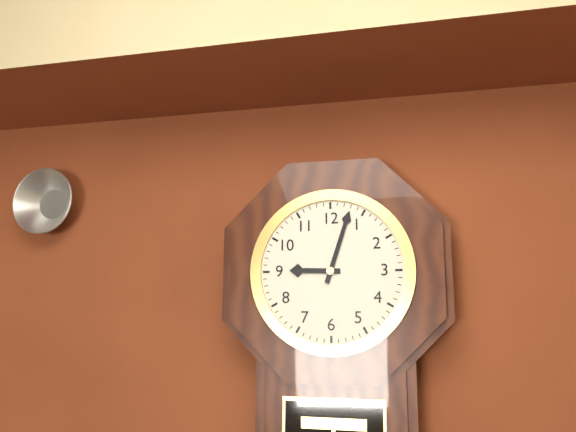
**9:03**
